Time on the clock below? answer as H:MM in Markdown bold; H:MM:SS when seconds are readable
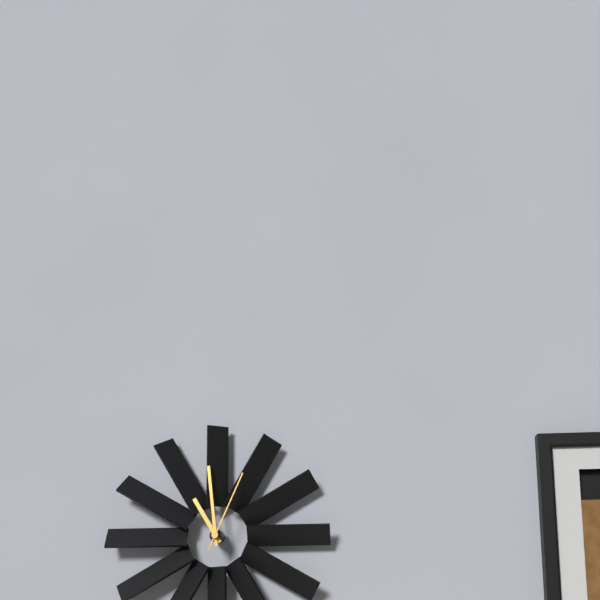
**10:59:04**
